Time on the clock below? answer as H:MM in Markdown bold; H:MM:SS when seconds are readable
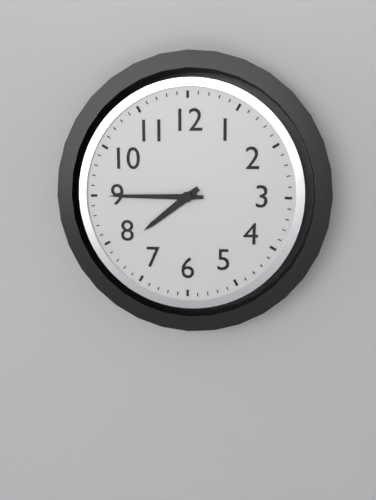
**7:45**
